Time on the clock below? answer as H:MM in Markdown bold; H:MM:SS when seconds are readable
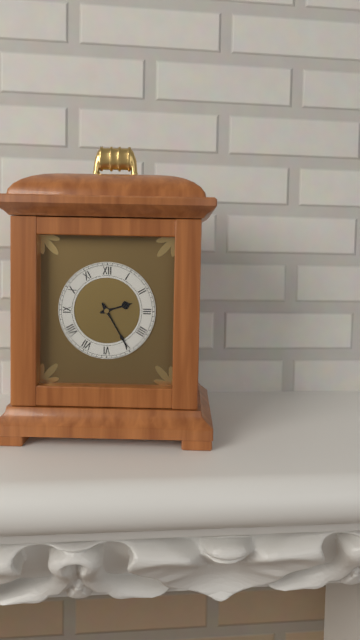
**2:25**
